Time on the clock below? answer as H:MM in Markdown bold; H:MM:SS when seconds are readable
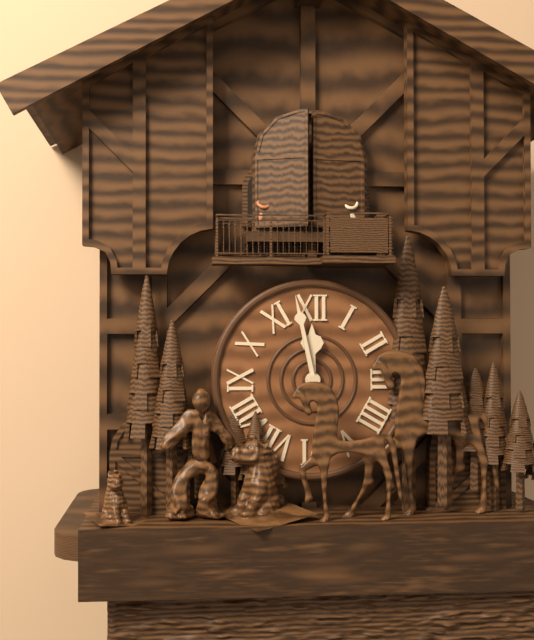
**11:58**
